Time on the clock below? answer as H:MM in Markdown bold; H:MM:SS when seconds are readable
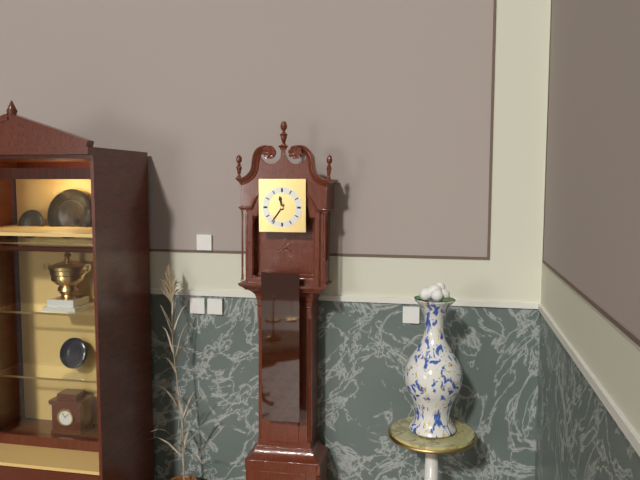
**11:36**
